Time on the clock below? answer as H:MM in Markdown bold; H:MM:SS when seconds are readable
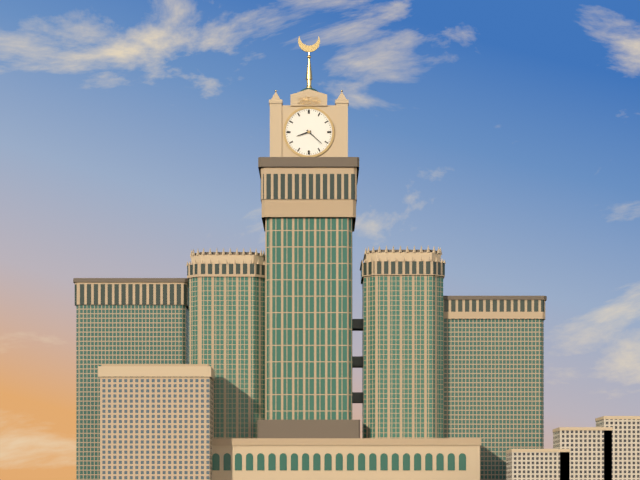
**8:22**
